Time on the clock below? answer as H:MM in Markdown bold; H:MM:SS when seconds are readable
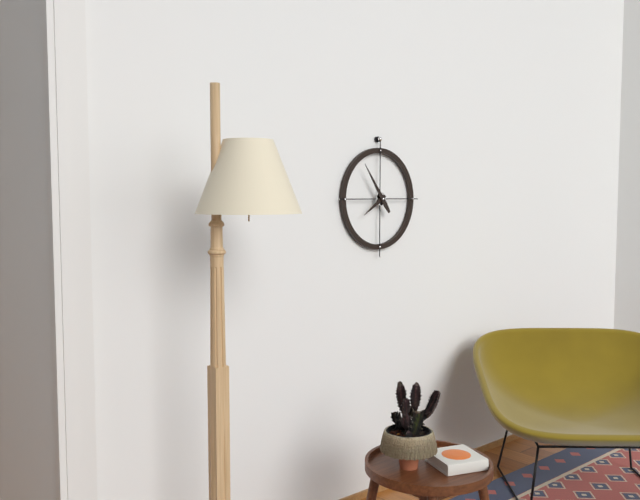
**7:54**
